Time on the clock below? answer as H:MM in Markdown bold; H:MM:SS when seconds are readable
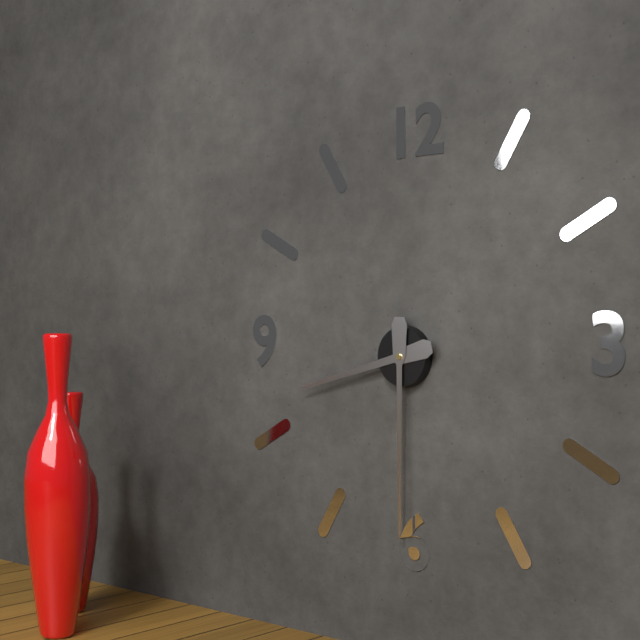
**8:30**
